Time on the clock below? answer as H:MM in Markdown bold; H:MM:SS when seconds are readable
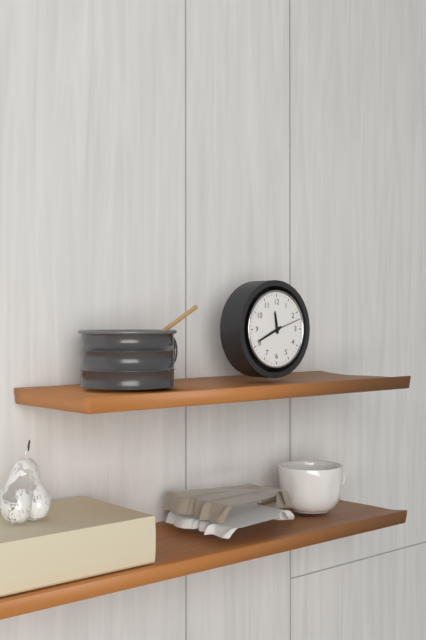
**11:41**
